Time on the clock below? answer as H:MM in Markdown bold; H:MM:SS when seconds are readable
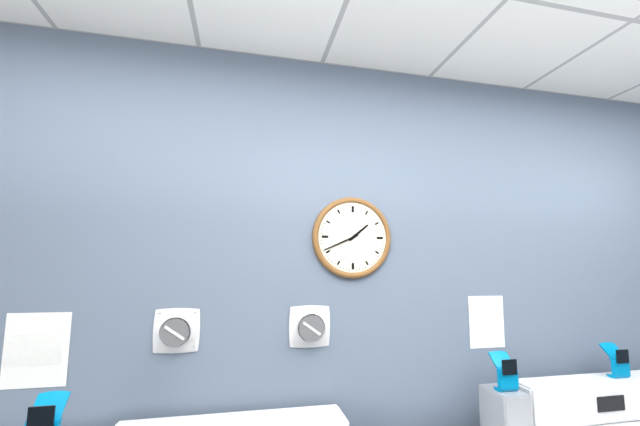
**1:41**
